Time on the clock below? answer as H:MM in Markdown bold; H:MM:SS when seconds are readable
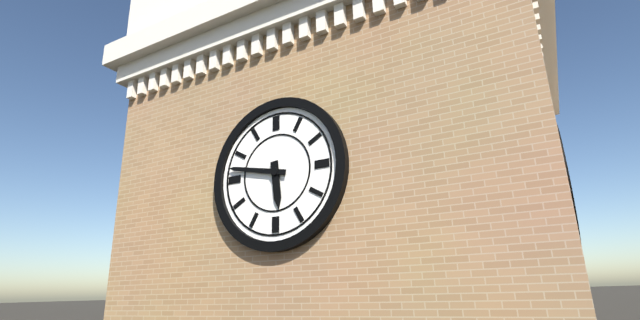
**5:47**
